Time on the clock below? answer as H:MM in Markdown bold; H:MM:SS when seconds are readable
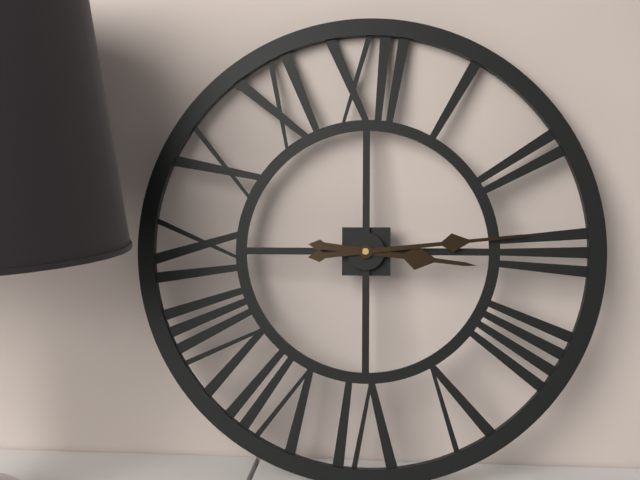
**3:14**
